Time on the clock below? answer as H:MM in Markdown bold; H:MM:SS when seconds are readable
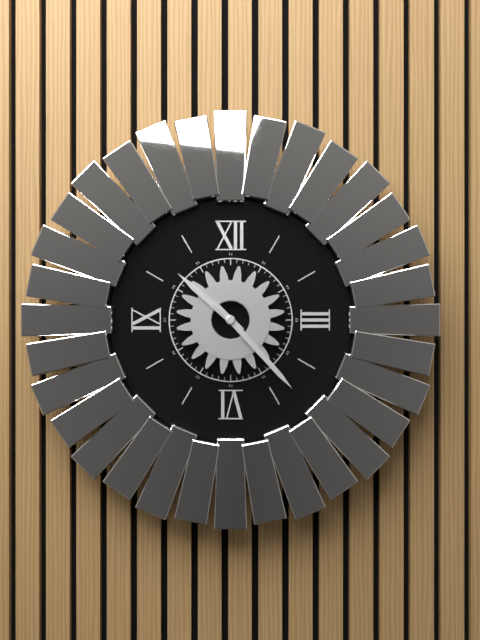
**10:23**
